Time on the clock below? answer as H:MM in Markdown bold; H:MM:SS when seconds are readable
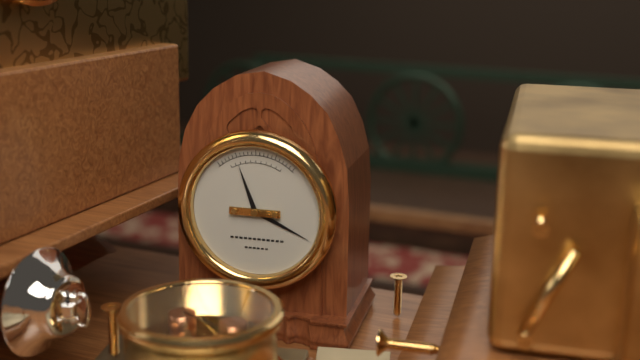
**11:19**
